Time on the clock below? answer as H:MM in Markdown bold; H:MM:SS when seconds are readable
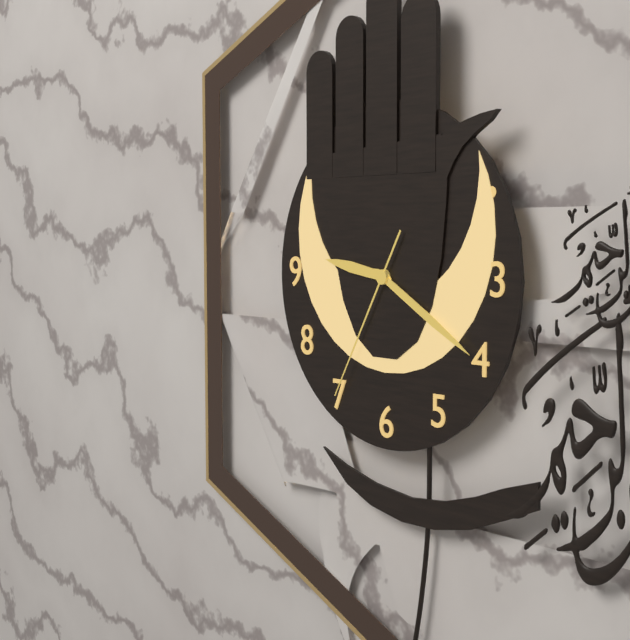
**9:20:35**
